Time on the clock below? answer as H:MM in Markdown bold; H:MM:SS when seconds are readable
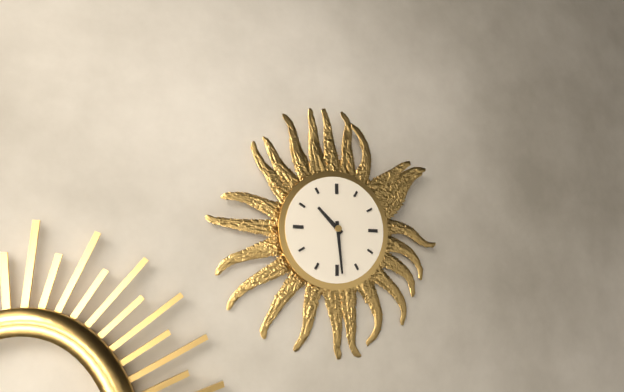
**10:29**
